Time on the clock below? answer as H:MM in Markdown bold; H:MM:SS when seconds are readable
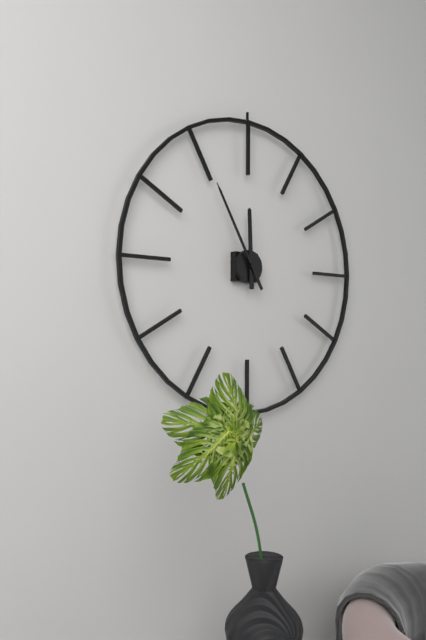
**11:55**
